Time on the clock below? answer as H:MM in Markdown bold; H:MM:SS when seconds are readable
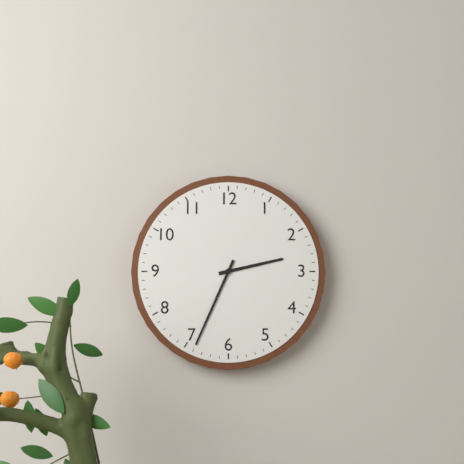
**2:34**
